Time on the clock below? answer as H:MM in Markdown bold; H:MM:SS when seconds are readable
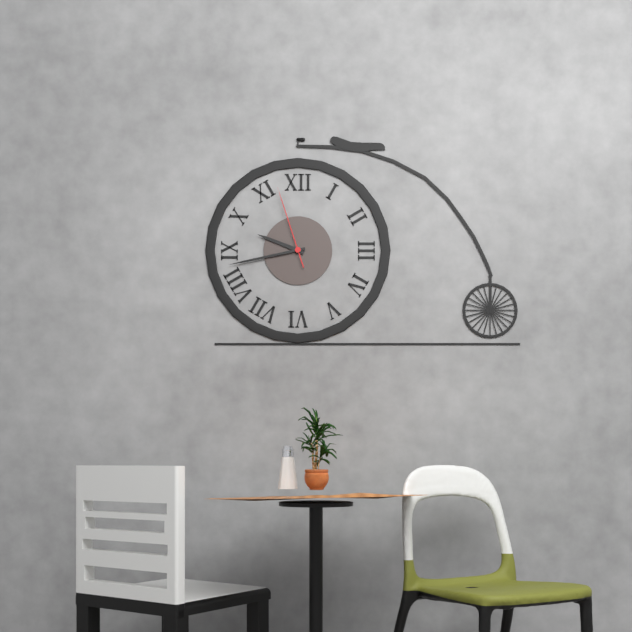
**9:43:57**
